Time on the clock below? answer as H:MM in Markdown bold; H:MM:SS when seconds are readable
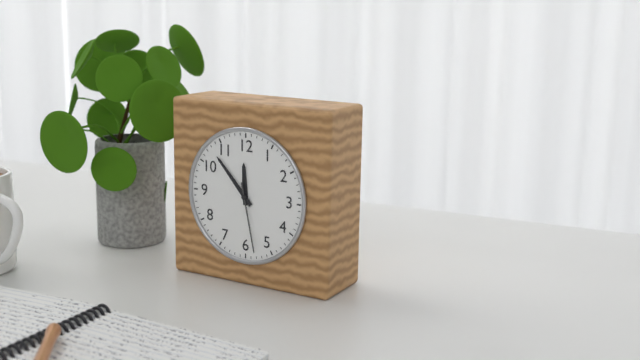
**11:53:28**
